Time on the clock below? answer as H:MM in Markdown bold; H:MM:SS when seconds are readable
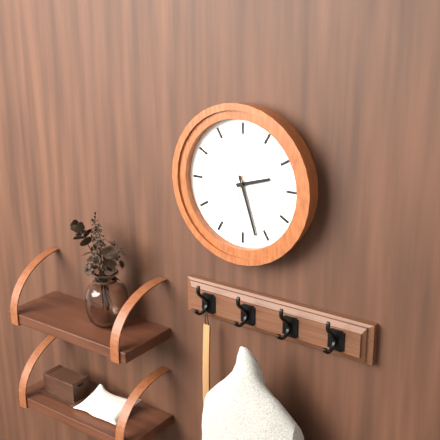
**2:27:02**
